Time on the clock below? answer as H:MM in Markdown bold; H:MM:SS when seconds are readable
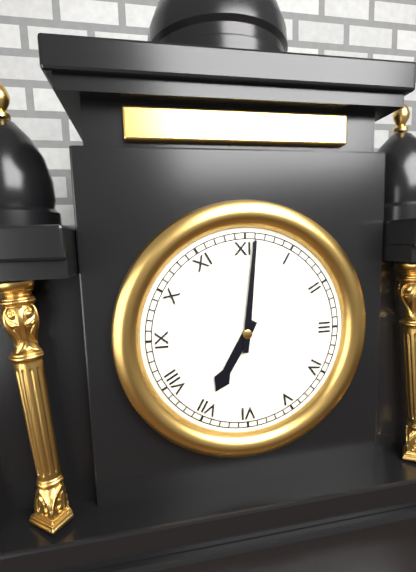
**7:01**
